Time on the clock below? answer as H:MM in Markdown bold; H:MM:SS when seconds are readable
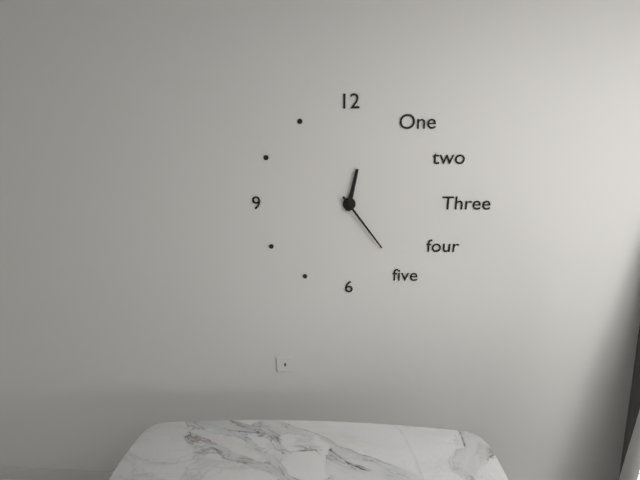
**12:24**
